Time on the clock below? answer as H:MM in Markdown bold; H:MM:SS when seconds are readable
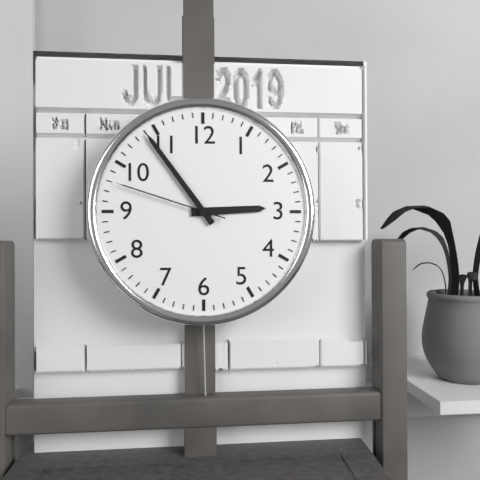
**2:54:48**
